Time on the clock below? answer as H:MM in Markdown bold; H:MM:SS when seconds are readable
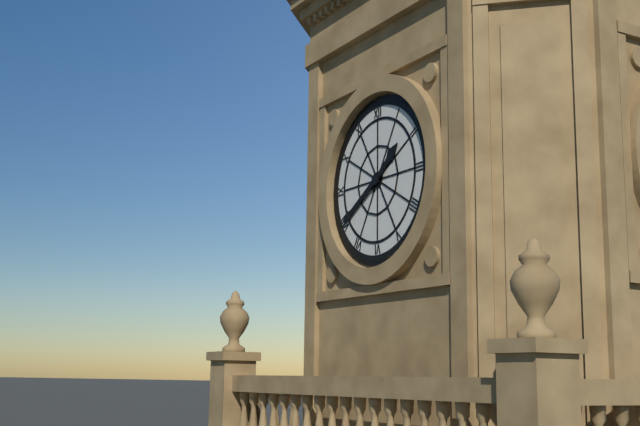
**1:40**
